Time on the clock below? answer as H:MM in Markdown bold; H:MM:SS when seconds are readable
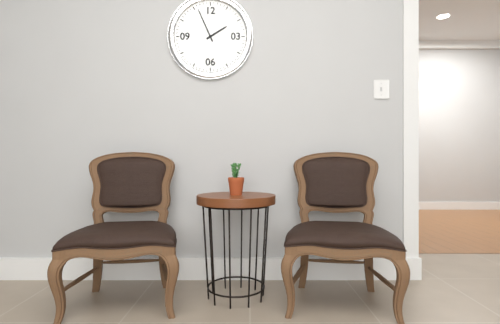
**1:56**
